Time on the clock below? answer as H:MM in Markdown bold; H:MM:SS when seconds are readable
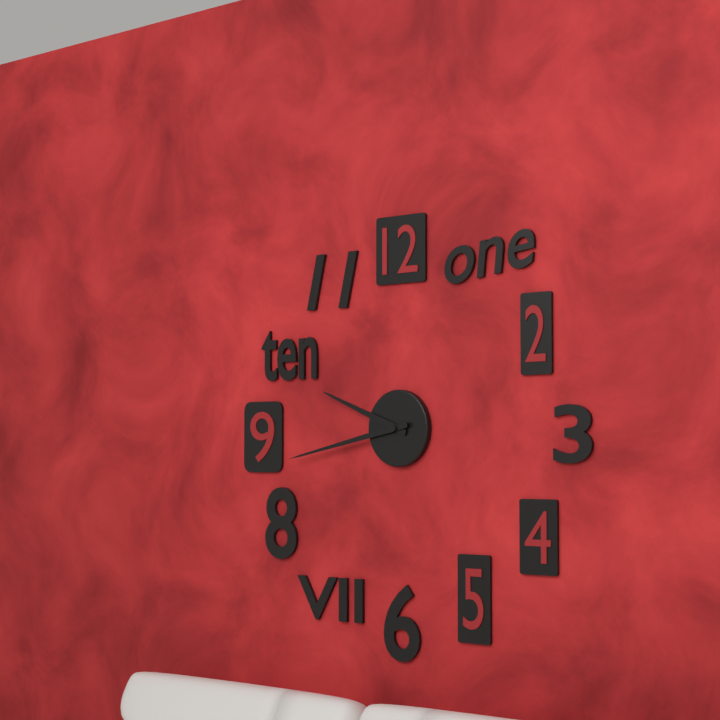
**9:43**
